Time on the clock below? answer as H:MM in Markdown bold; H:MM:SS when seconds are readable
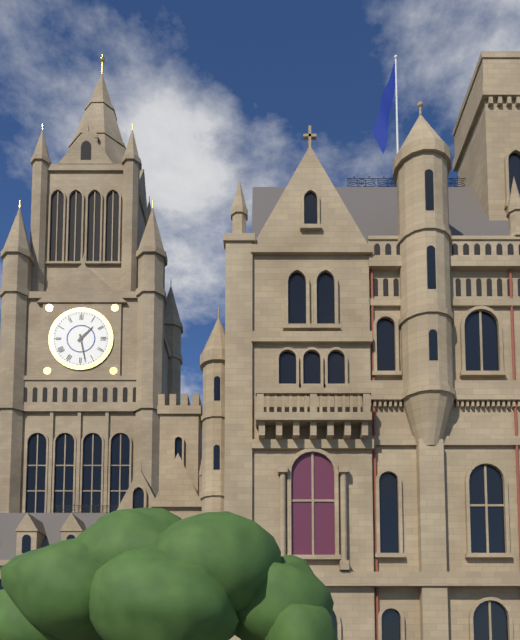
**1:28**
